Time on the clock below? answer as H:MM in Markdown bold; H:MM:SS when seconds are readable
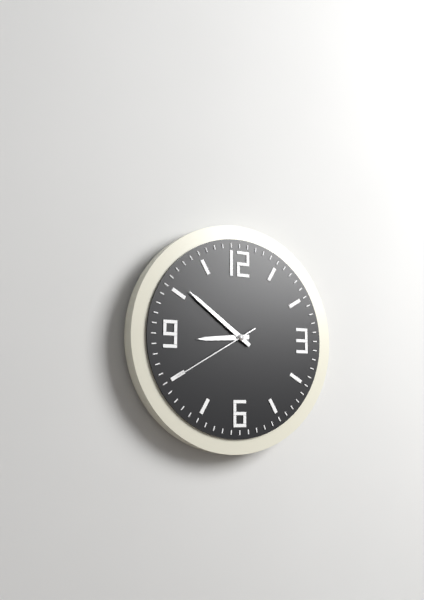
**8:51:40**
